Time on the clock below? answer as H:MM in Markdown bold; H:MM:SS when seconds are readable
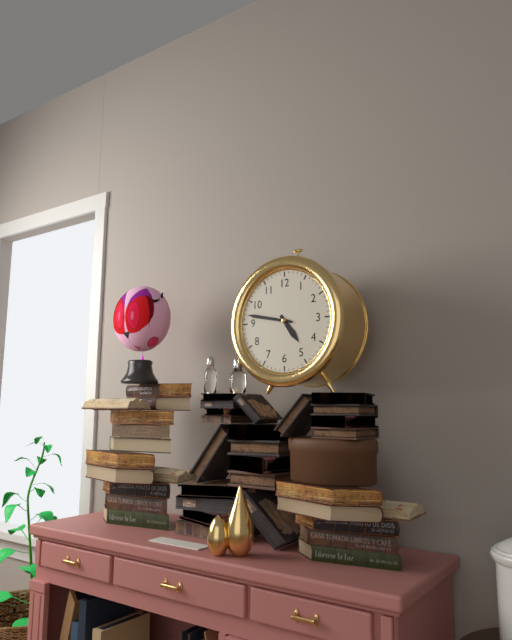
**4:47**
